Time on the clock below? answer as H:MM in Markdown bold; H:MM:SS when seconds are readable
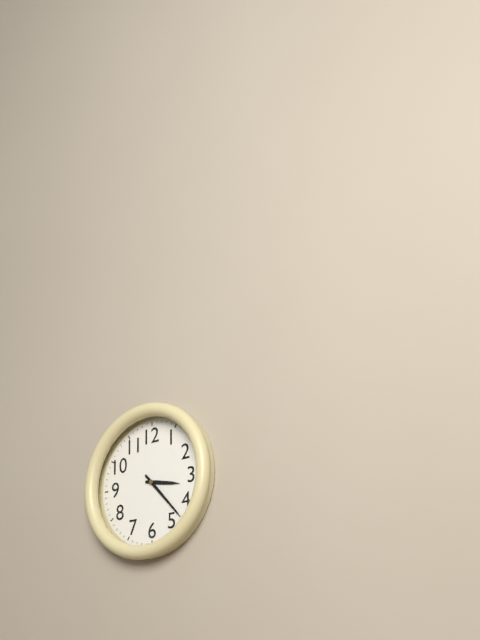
**3:23**
